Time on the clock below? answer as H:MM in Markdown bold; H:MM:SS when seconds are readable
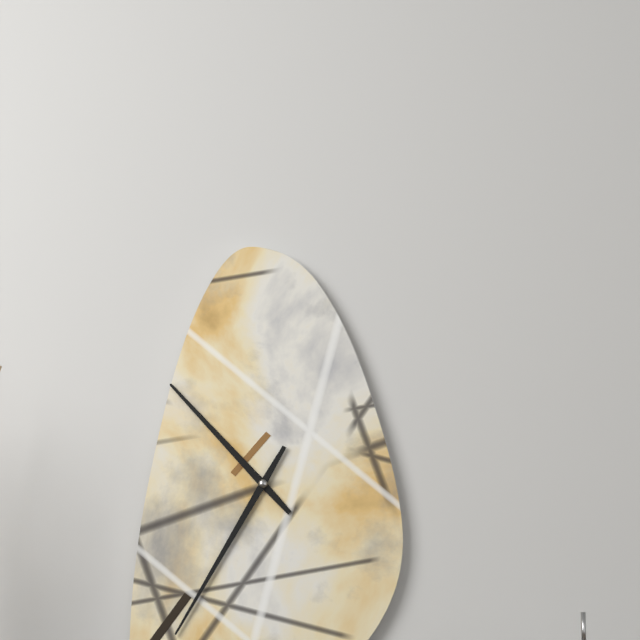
**10:35**
